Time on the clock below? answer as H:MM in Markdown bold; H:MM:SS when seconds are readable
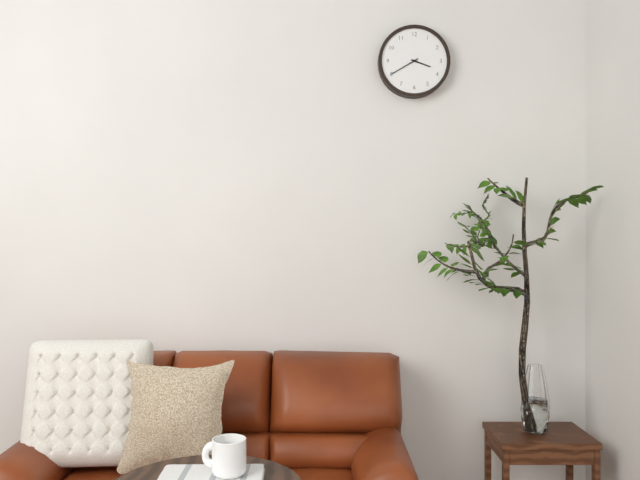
**3:40**
